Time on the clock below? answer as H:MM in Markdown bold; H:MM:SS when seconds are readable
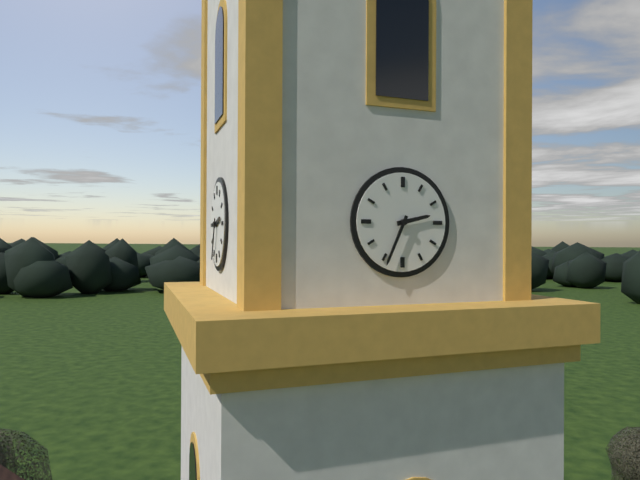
**2:34**
